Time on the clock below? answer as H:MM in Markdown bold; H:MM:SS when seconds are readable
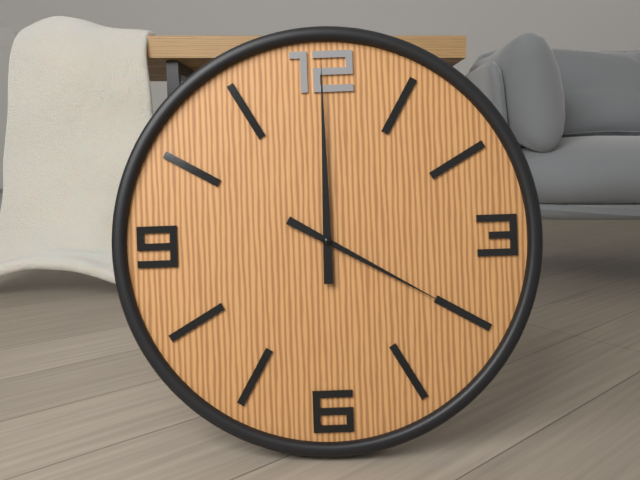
**4:00**
